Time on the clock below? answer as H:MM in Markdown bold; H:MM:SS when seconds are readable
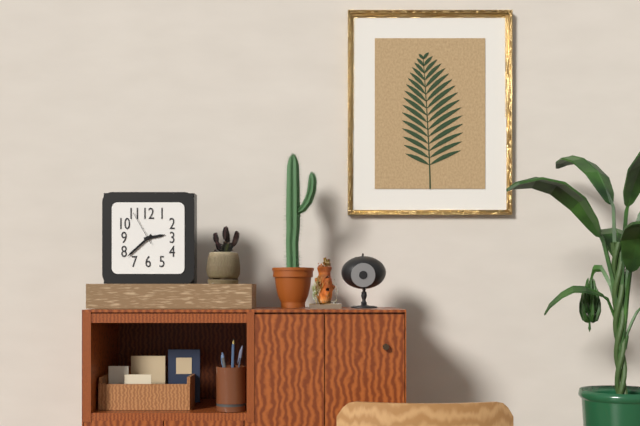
**2:38**
